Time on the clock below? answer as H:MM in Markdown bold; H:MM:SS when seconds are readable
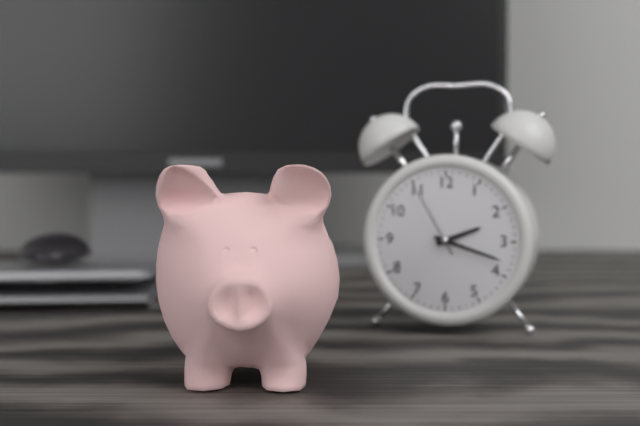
**2:18:55**
